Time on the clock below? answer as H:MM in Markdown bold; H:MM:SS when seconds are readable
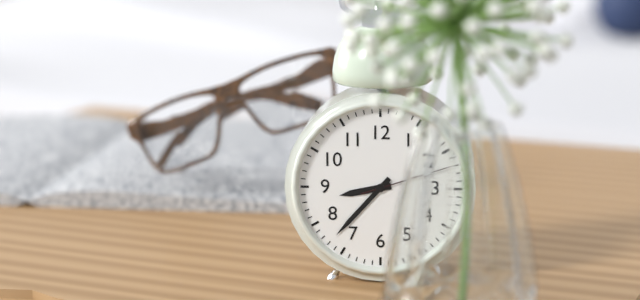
**8:37:12**
